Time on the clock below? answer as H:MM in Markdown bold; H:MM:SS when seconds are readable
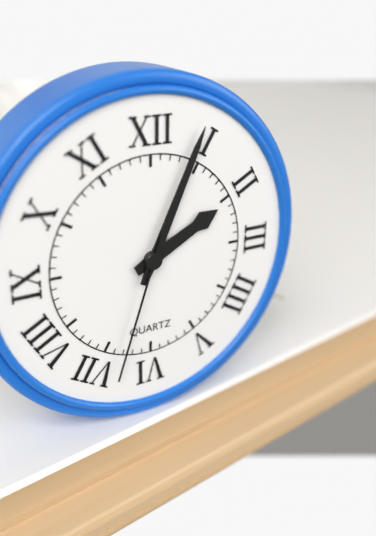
**2:04:33**
